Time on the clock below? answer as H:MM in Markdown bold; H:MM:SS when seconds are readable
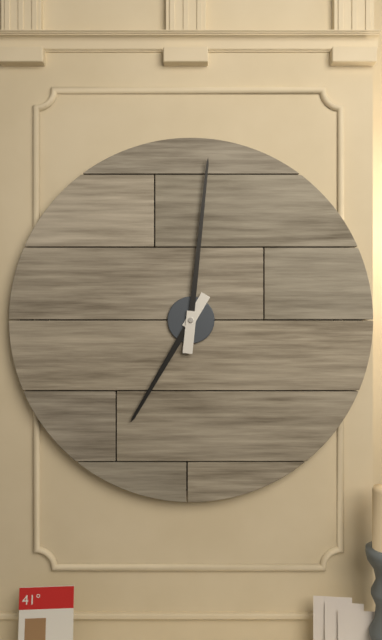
**7:01**
